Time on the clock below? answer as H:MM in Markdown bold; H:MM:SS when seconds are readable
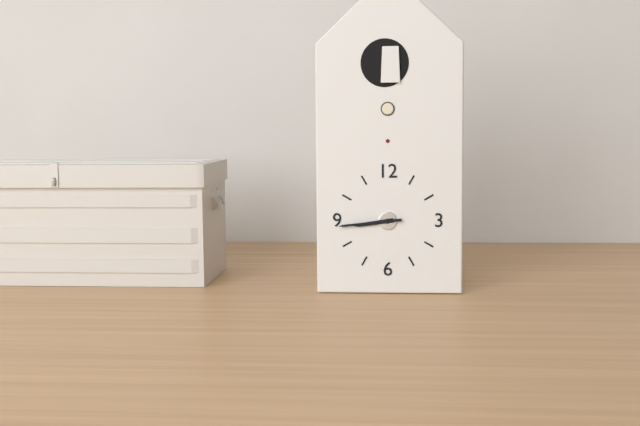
**8:44**
